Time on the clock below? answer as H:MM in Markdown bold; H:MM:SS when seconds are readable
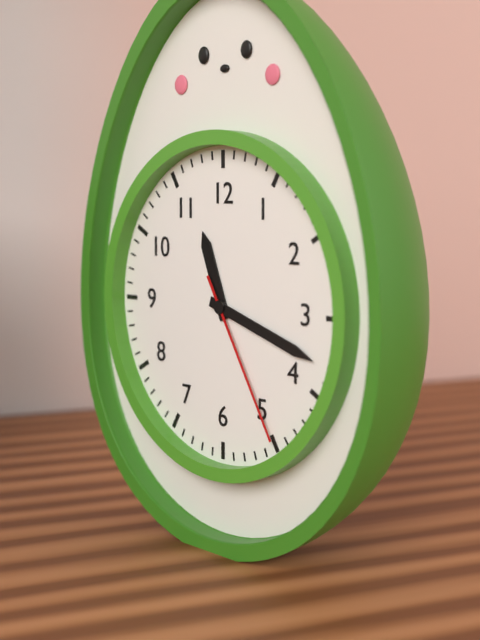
**11:18:25**
